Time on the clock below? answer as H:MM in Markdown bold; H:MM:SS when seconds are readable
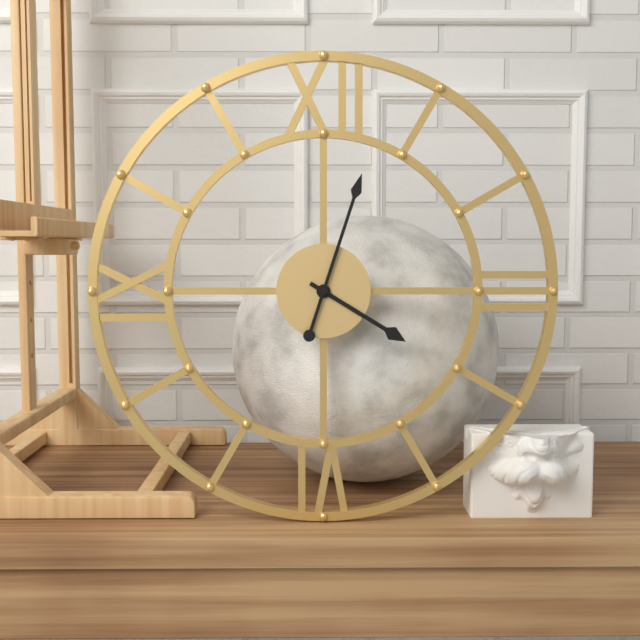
**4:03**
